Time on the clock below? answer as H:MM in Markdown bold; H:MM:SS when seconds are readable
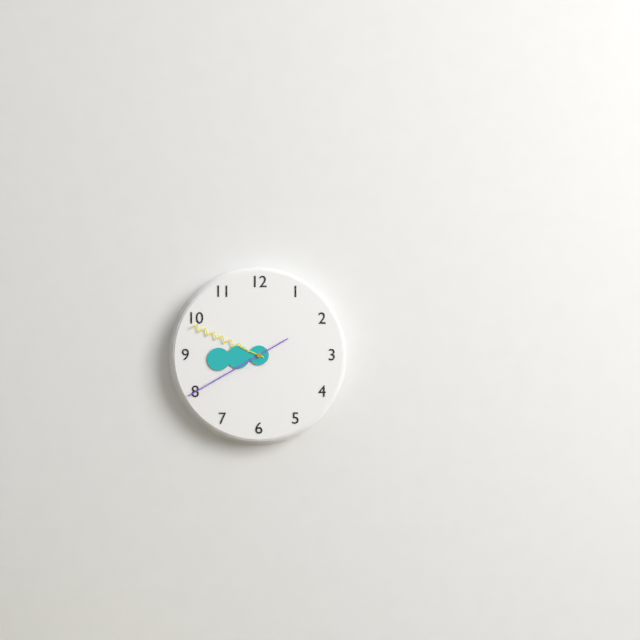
**8:49:40**
